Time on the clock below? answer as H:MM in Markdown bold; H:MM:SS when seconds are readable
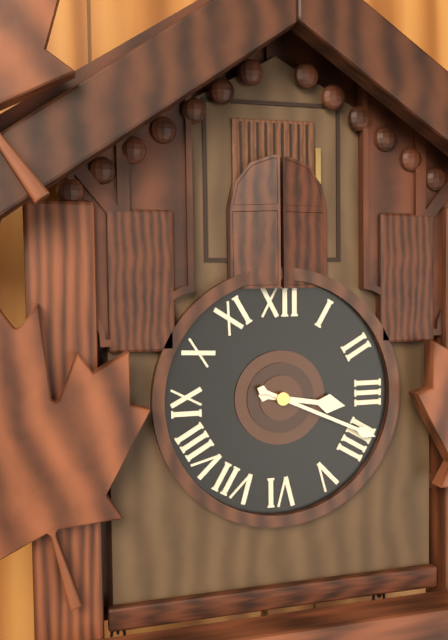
**3:19**
